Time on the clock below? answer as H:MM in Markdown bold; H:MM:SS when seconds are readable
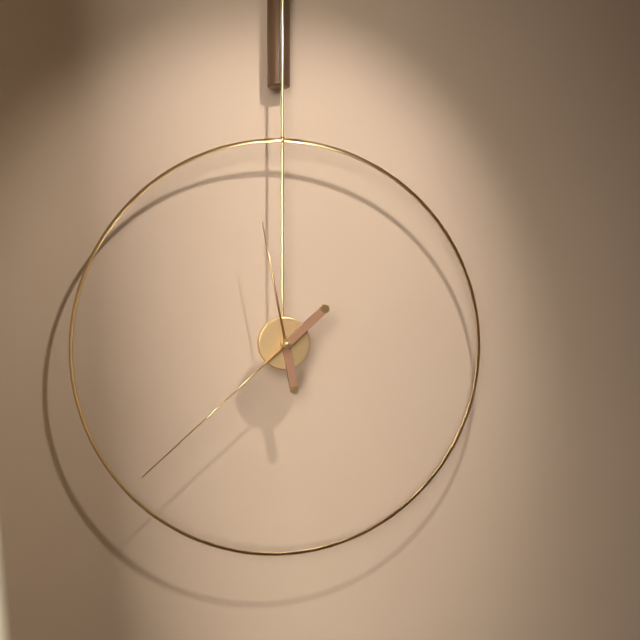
**11:38**
